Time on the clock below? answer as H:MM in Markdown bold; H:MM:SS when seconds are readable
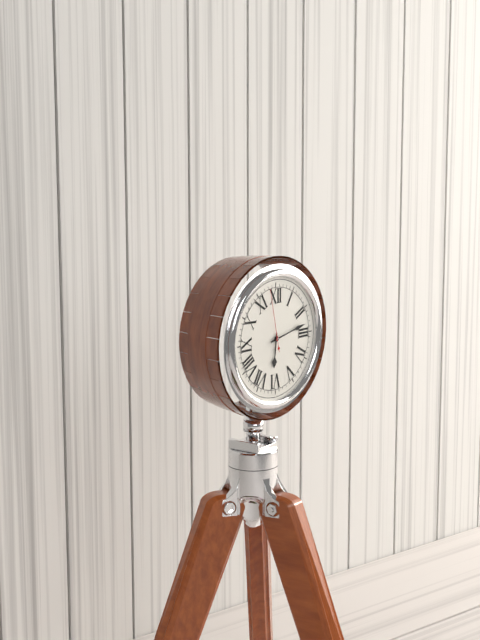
**6:13:58**
